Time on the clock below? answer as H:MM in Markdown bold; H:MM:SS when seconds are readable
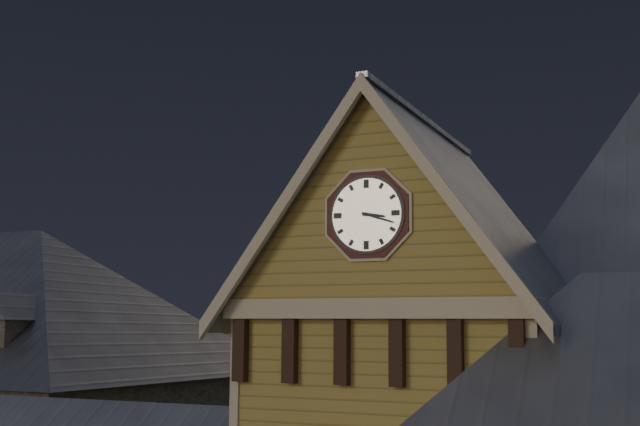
**3:18**
